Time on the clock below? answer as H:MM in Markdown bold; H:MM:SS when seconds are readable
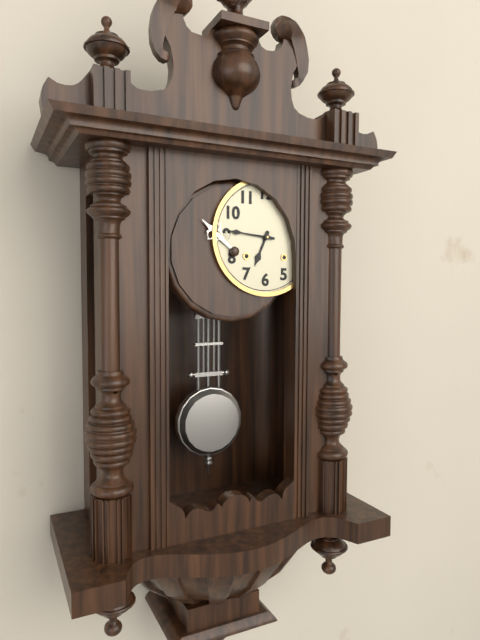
**6:46**
